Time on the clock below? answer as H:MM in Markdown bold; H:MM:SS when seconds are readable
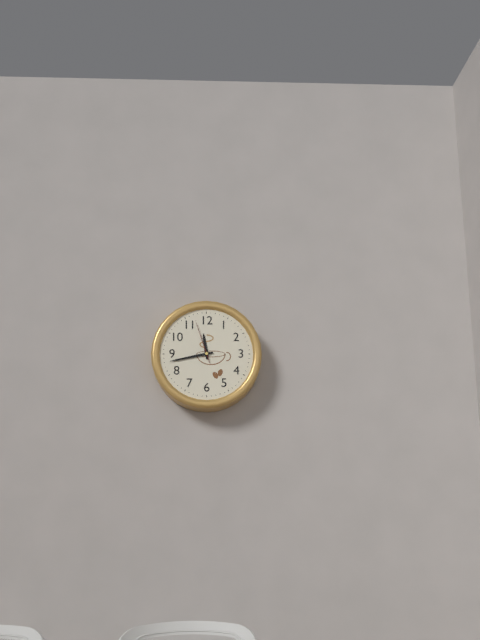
**11:43**
